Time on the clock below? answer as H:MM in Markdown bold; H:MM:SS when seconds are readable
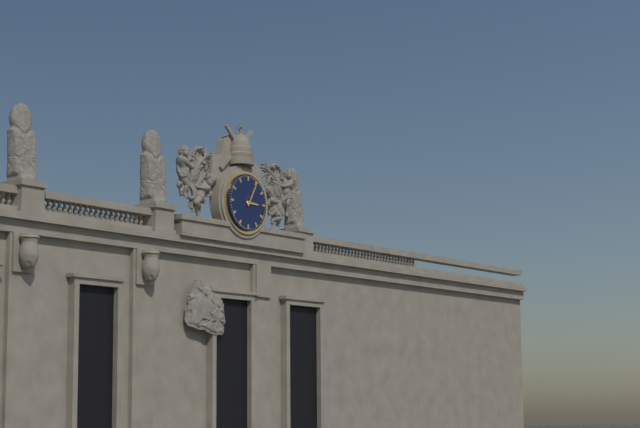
**3:05**
